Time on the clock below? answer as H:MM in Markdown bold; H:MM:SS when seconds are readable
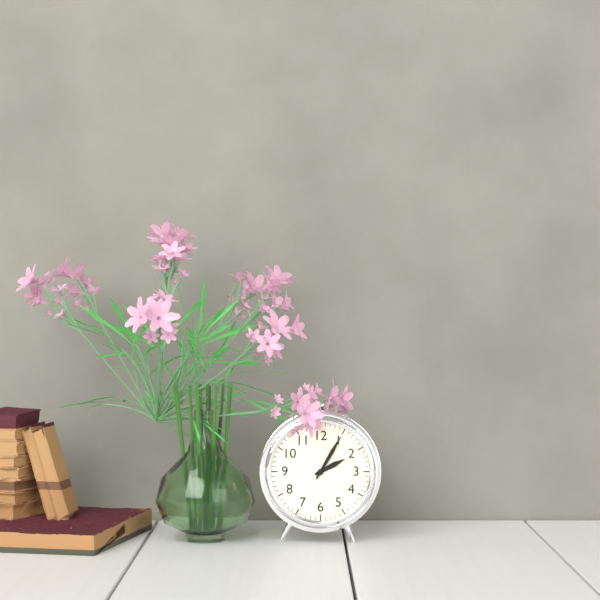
**2:05**
